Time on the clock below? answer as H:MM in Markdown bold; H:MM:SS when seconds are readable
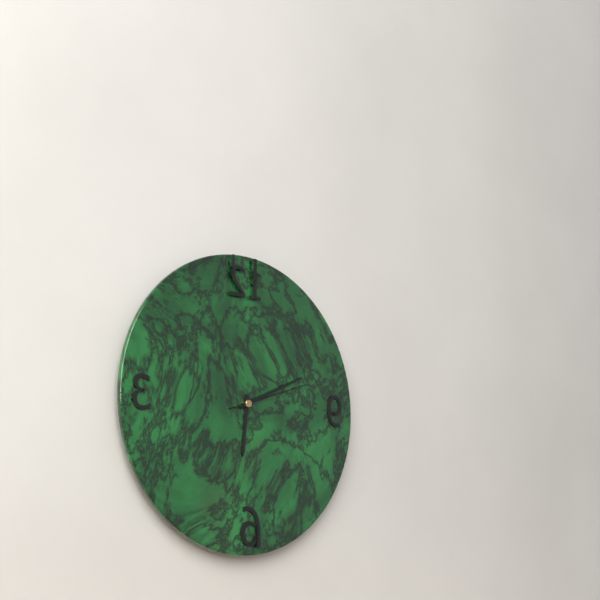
**6:11:12**
